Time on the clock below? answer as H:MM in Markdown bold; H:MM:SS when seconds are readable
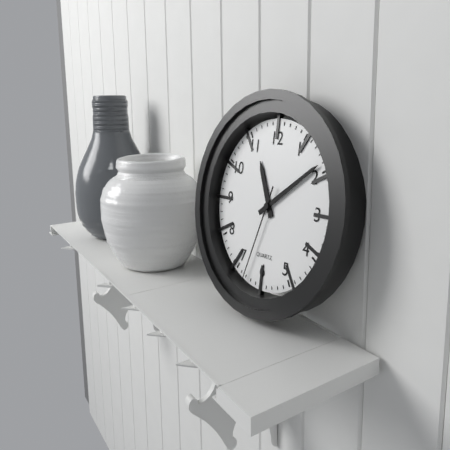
**11:09:33**
